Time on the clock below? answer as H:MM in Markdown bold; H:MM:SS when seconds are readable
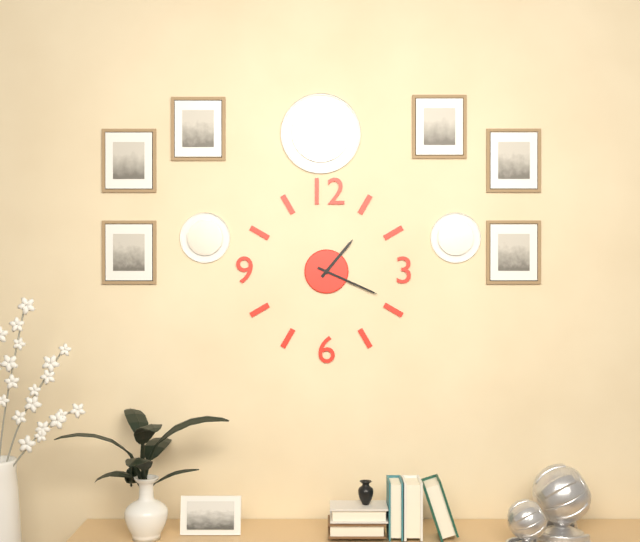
**1:19**
